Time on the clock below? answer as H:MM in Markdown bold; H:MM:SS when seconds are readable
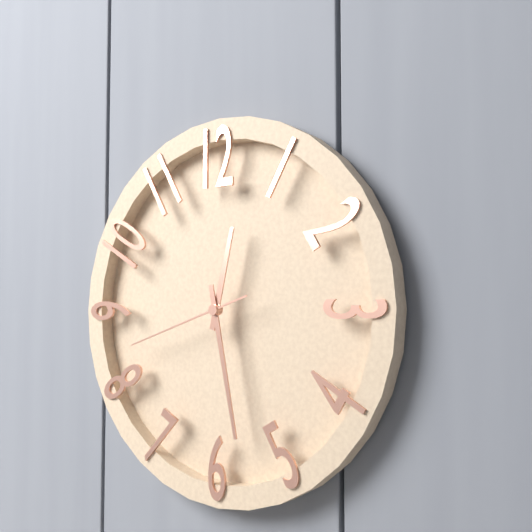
**12:28:42**
